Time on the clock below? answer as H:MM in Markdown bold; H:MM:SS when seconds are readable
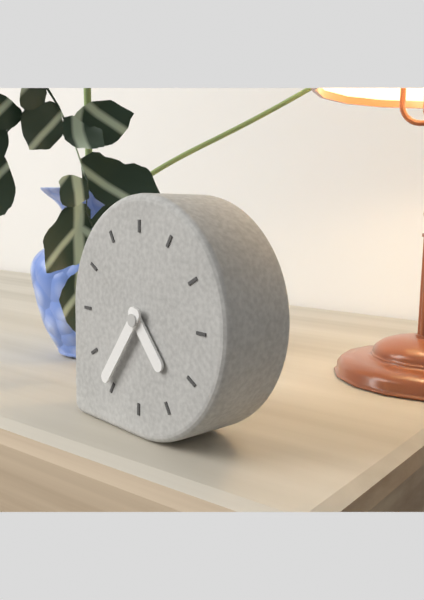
**4:36**
